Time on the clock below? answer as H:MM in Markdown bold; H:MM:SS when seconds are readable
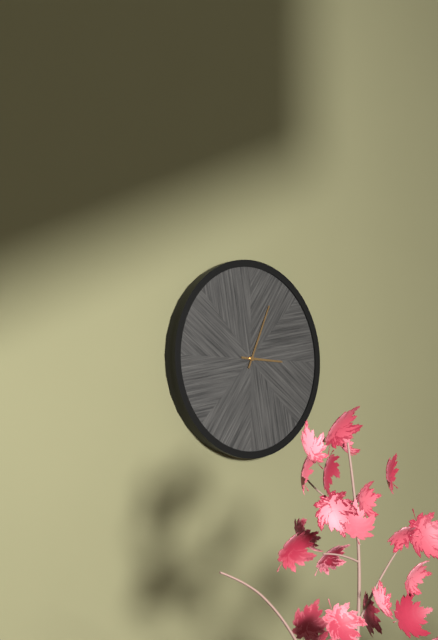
**3:04**
